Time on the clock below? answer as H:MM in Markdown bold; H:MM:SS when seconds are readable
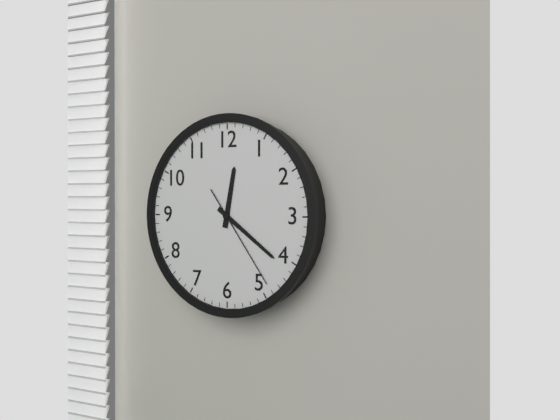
**12:21:24**
